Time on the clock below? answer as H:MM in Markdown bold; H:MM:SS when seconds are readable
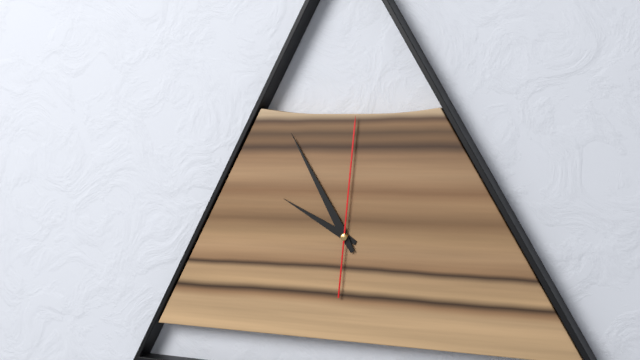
**9:55:01**
